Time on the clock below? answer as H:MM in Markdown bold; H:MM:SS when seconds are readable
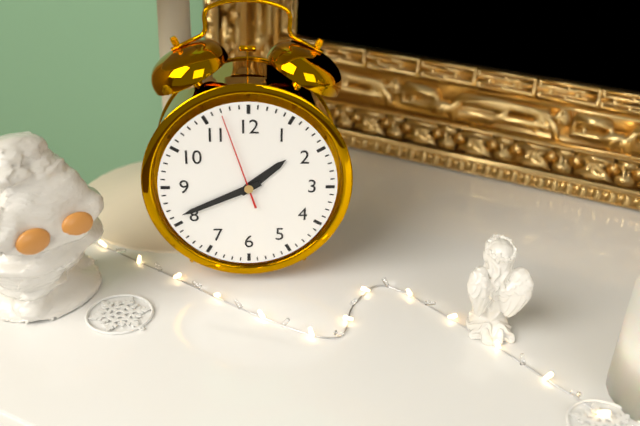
**1:41:57**
